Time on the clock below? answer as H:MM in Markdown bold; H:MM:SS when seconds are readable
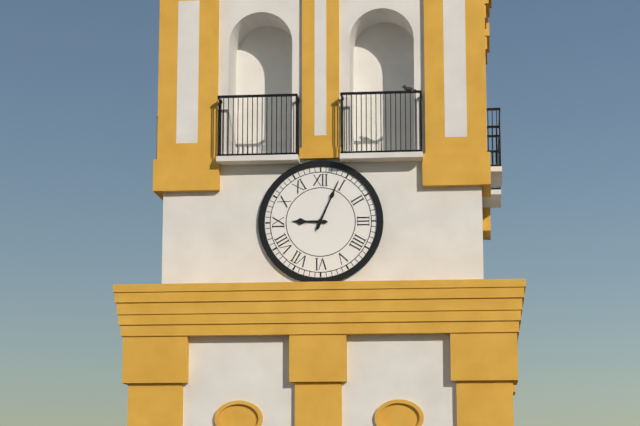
**9:04**
